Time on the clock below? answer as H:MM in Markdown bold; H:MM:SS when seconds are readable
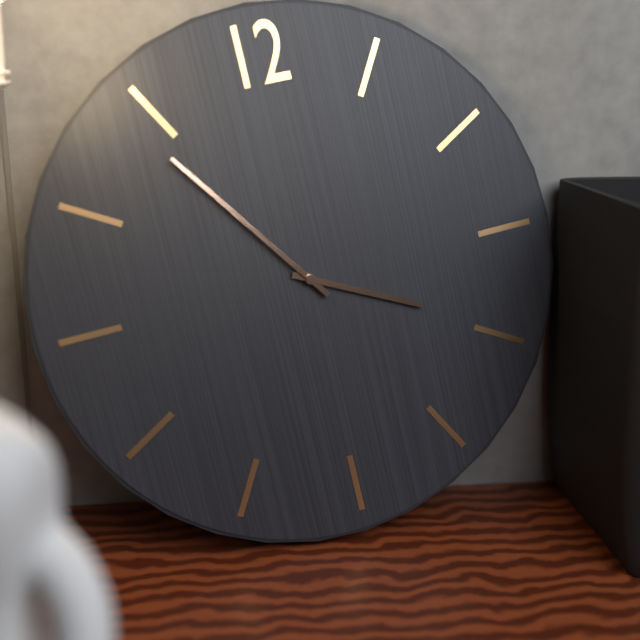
**3:54**
